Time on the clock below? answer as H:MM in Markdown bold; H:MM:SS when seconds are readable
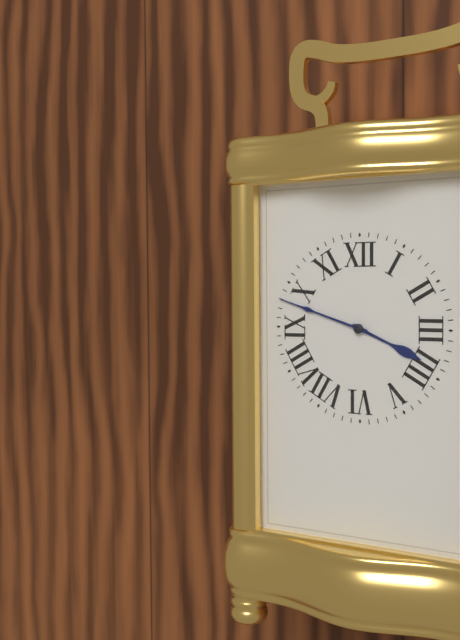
**3:48**
